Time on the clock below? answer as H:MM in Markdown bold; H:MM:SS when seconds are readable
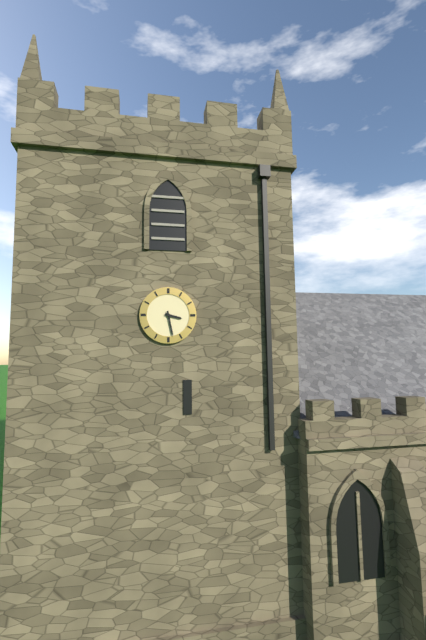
**3:28**
